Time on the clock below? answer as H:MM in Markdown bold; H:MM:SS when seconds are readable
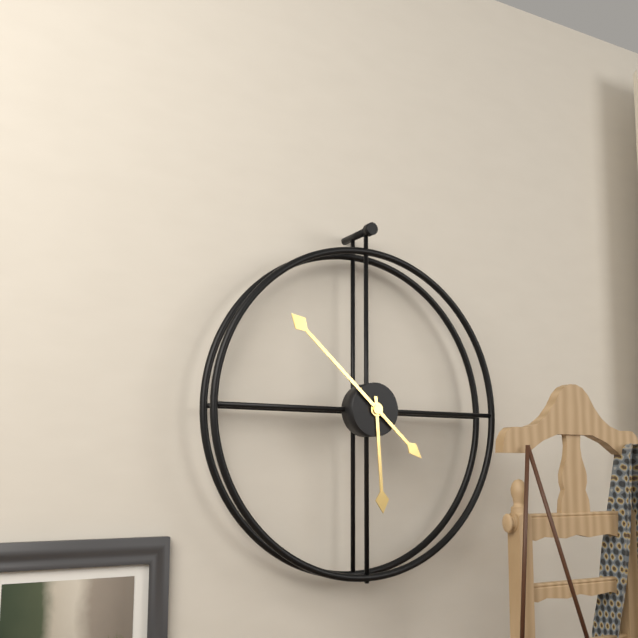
**5:52**
